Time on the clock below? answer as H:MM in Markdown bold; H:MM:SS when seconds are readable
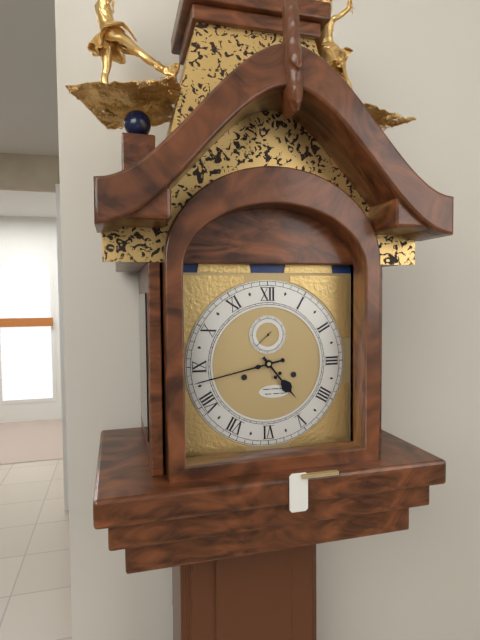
**4:43**
